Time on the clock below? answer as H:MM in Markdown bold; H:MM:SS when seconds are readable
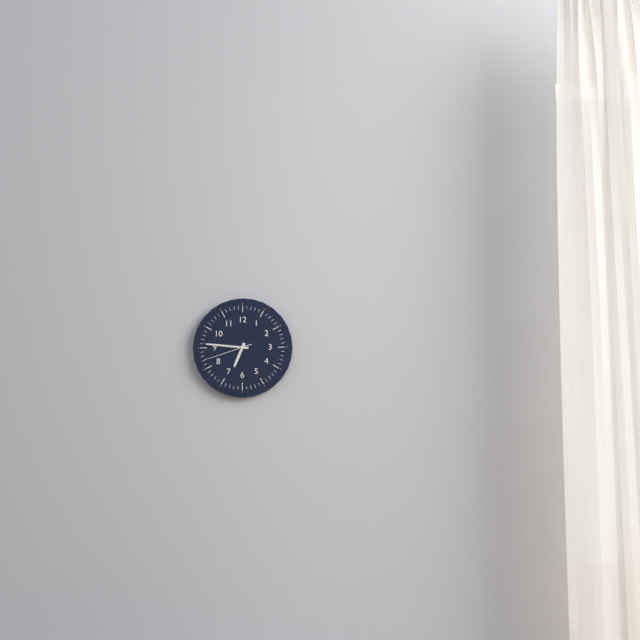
**6:46**
